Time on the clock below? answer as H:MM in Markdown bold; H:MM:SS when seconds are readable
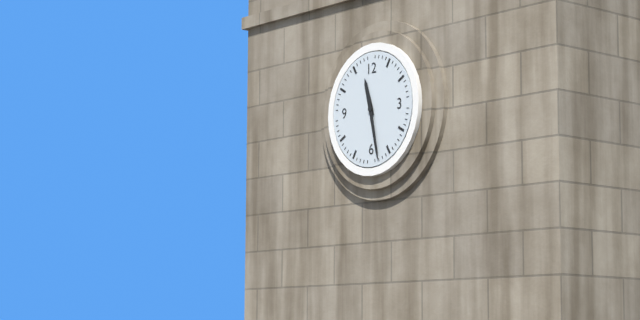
**11:28**
